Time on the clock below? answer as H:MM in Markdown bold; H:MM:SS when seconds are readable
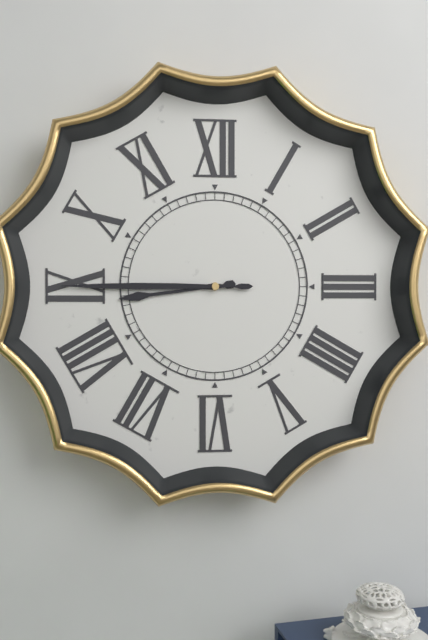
**8:45**
